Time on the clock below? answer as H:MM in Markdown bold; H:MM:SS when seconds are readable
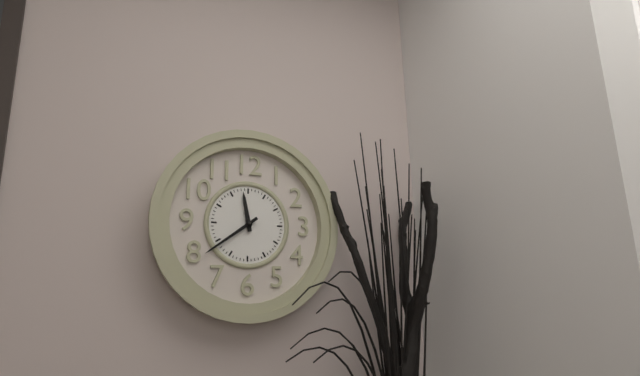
**11:39**
